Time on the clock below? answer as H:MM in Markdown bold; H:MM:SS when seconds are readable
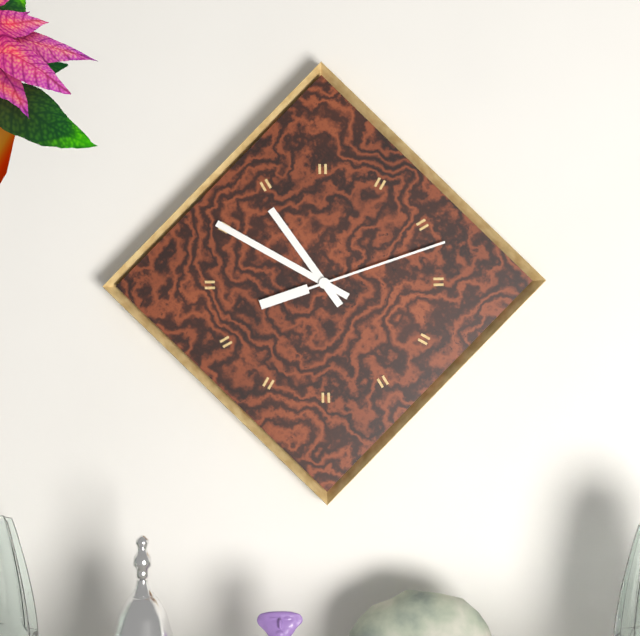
**10:50:12**
